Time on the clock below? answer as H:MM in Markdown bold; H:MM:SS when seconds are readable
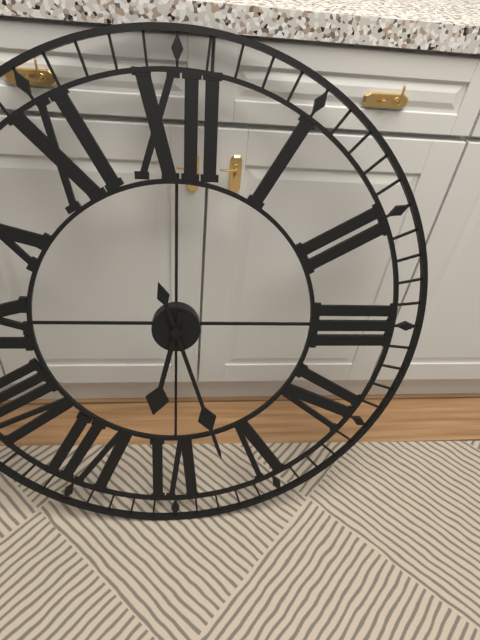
**6:27**
